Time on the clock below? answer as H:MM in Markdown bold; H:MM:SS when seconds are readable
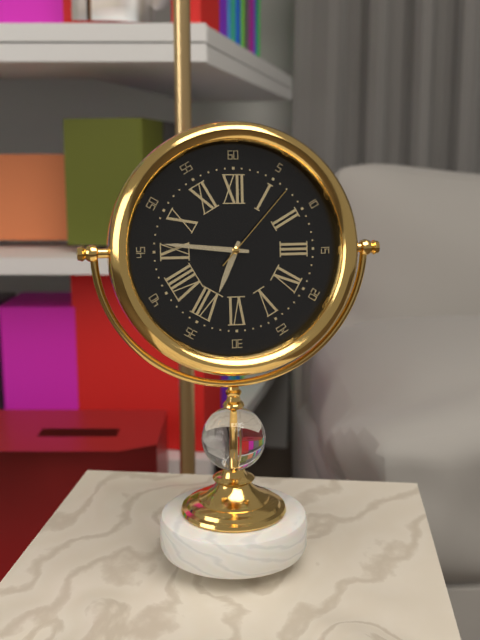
**6:46:07**
